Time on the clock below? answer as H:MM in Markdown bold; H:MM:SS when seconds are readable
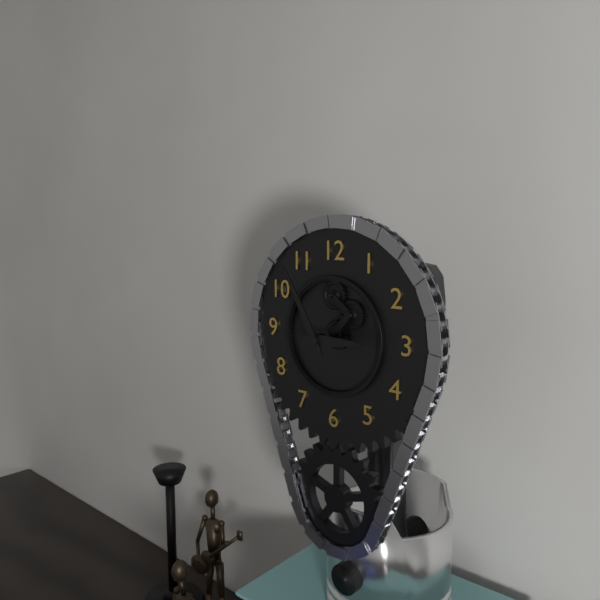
**2:55**
